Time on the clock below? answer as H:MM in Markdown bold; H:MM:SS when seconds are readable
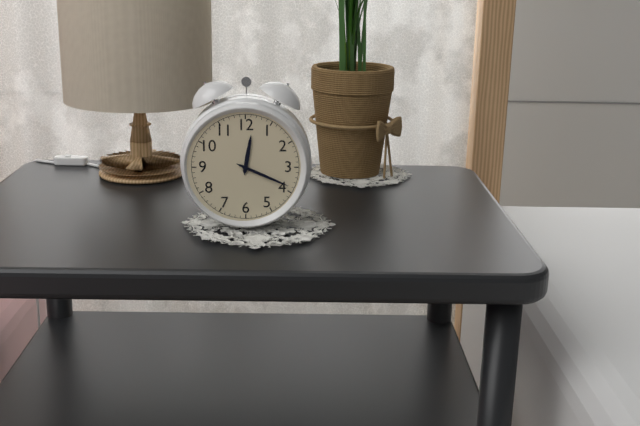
**12:19**
